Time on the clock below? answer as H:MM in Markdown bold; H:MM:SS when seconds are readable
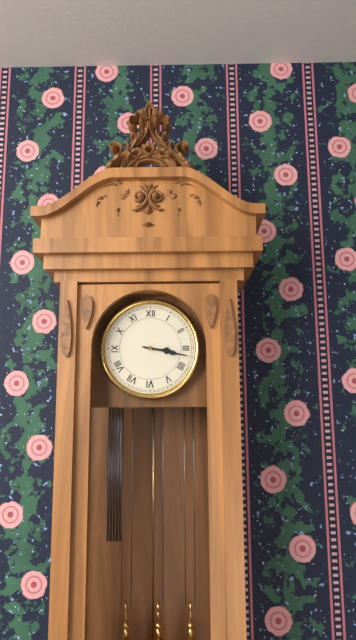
**3:17**
